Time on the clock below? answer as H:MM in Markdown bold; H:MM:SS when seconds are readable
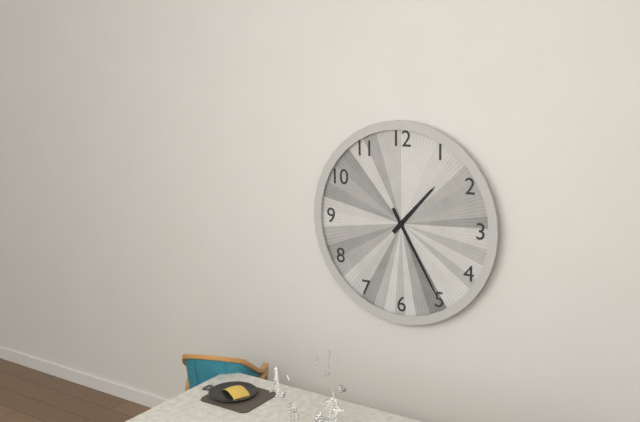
**1:25**
